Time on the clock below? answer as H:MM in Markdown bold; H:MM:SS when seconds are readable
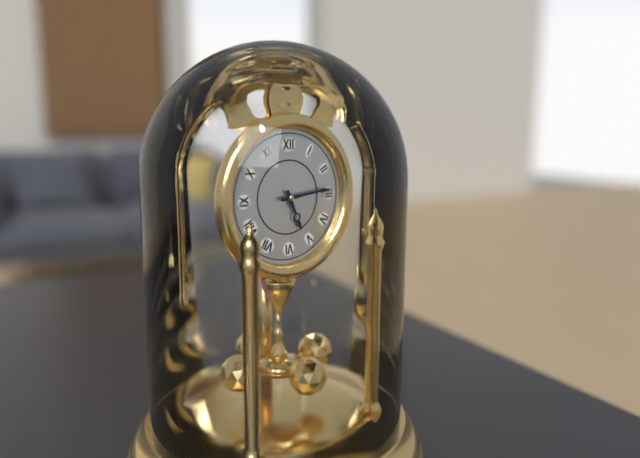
**5:14**
